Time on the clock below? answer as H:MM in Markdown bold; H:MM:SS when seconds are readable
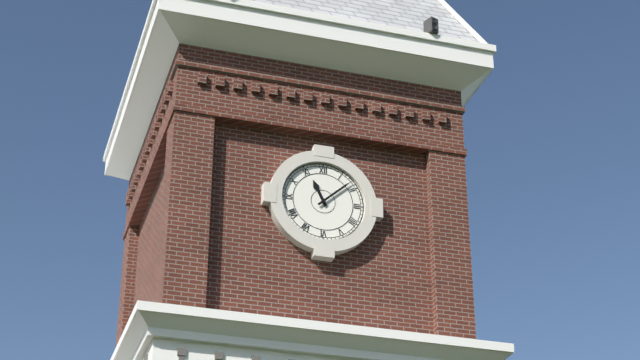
**11:08**
